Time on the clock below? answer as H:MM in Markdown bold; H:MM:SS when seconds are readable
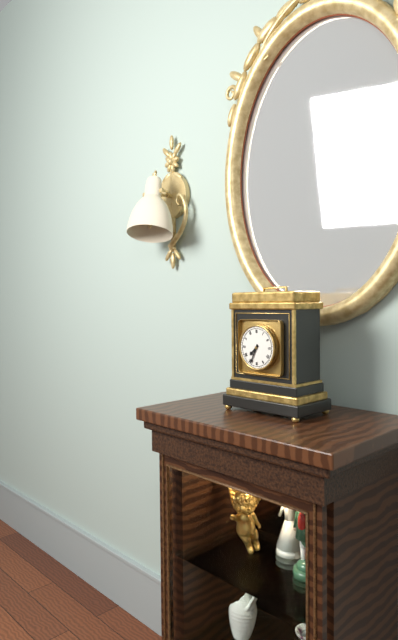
**7:34**
